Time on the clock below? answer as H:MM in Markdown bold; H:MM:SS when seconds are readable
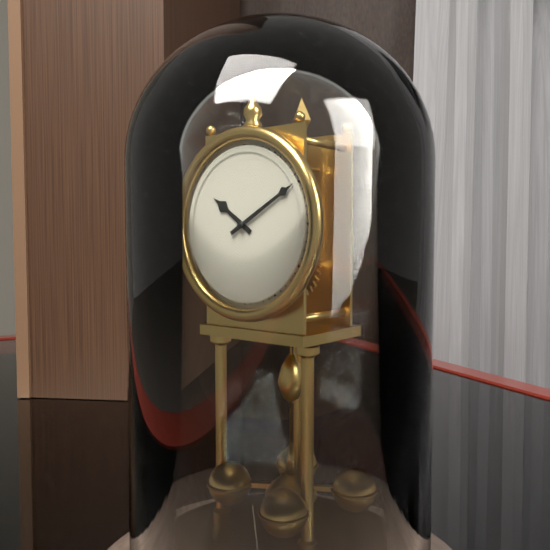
**10:10**
